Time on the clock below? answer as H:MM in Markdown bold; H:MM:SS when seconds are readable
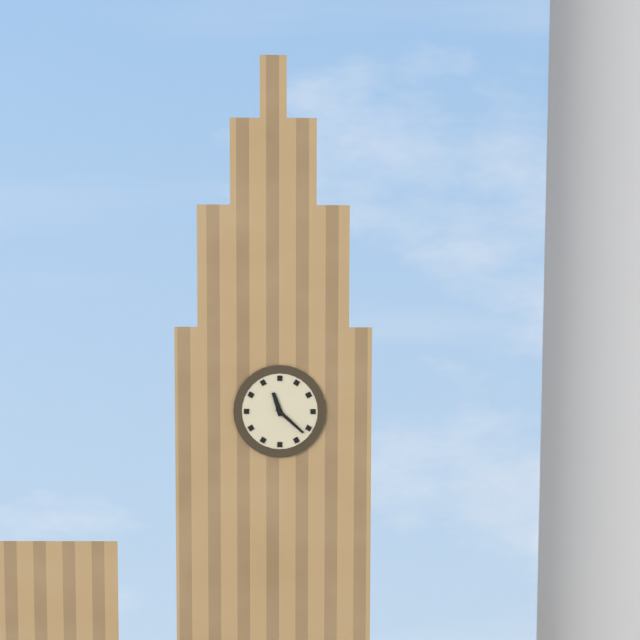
**11:22**
